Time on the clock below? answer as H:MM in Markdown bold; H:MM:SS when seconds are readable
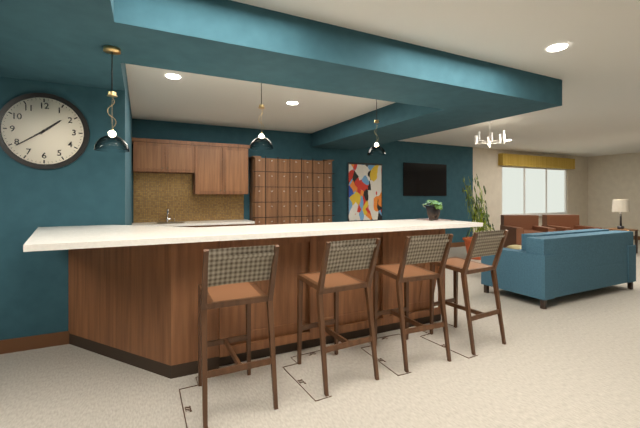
**1:39**
